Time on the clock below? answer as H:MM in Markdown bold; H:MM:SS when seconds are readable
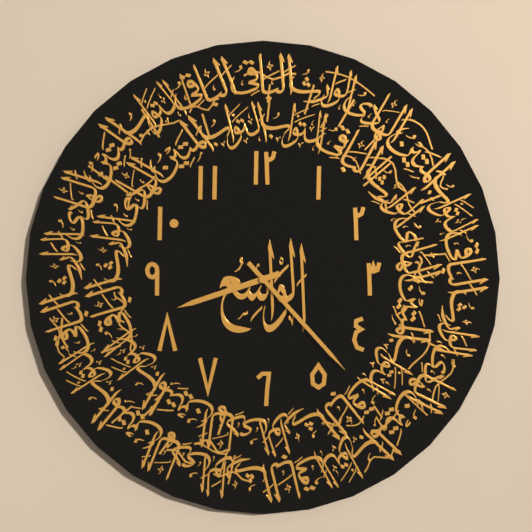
**8:23**
